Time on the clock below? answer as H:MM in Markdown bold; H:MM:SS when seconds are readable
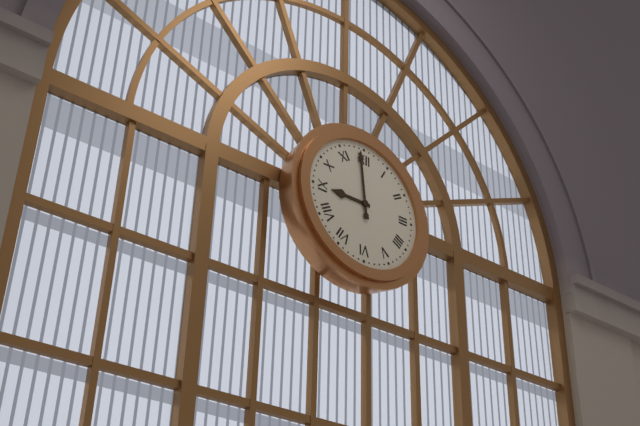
**8:59**
